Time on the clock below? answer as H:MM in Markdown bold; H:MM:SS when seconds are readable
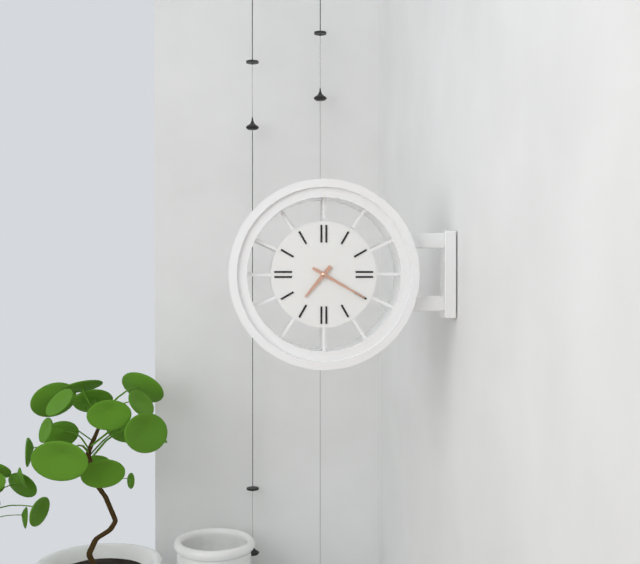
**7:20**
